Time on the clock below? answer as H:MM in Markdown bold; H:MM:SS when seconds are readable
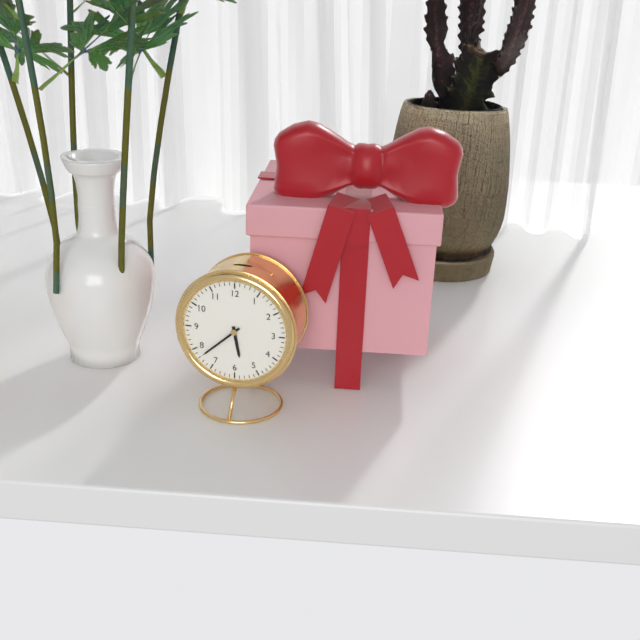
**5:38**
